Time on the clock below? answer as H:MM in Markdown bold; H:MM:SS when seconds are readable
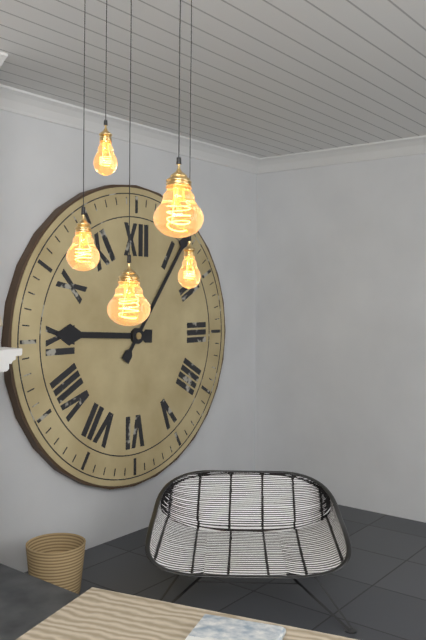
**9:06**
